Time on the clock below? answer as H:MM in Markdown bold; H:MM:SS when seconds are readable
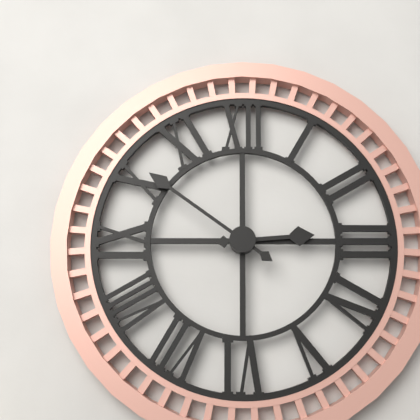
**2:51**
